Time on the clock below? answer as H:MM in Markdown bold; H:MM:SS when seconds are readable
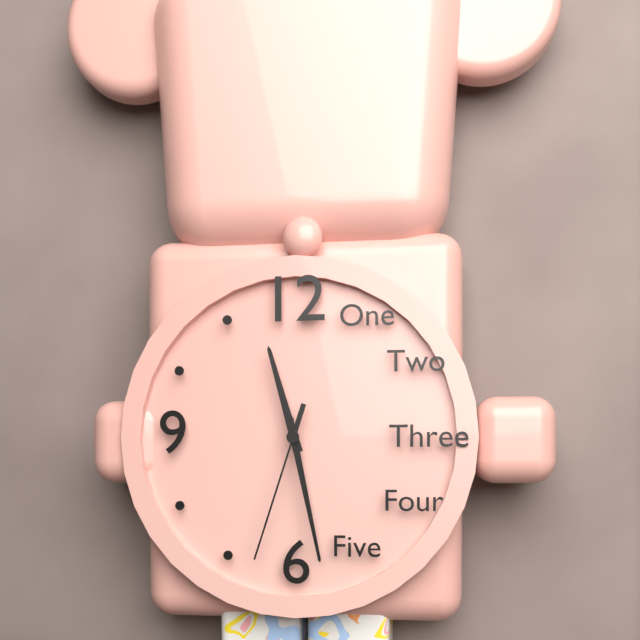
**11:28:33**
